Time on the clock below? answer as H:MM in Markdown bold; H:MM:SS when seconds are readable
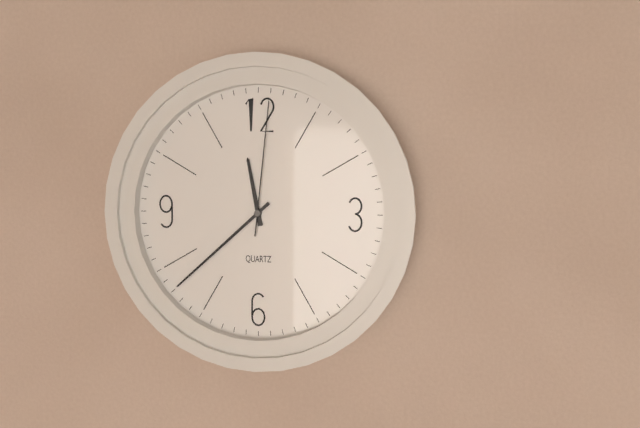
**11:38:01**
